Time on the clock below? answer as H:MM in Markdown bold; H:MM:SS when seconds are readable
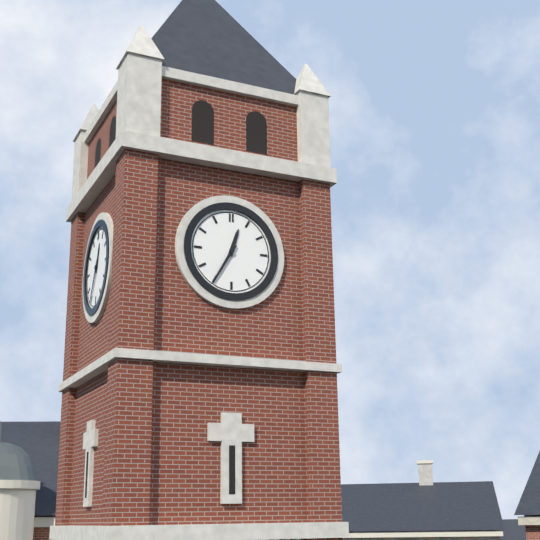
**12:35**
